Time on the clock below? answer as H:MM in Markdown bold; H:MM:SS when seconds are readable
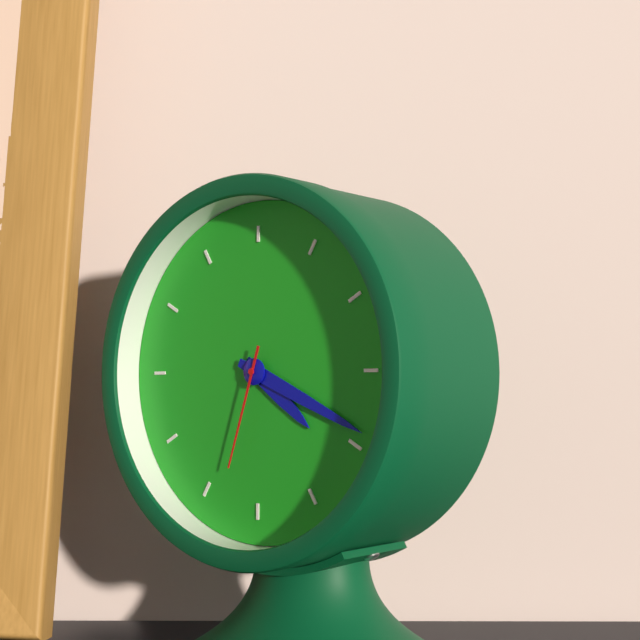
**4:19:33**
